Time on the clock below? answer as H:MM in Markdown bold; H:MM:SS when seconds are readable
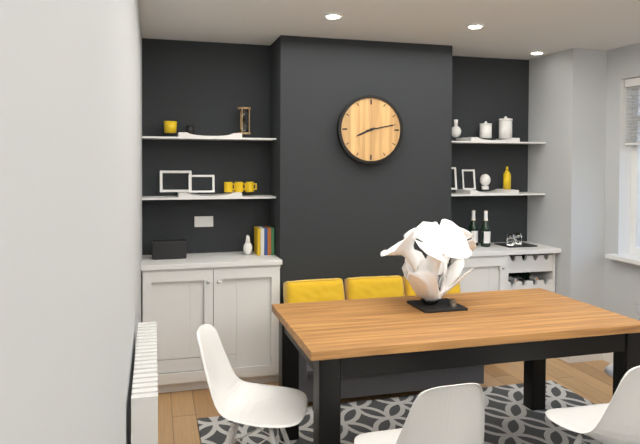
**8:13**
